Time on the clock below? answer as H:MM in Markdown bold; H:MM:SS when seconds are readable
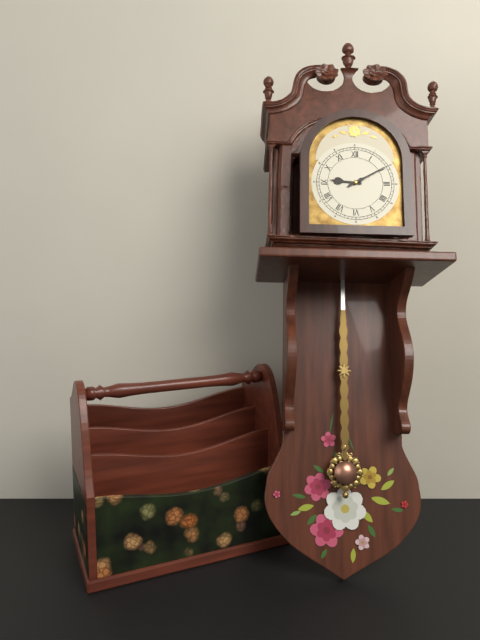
**9:10**
